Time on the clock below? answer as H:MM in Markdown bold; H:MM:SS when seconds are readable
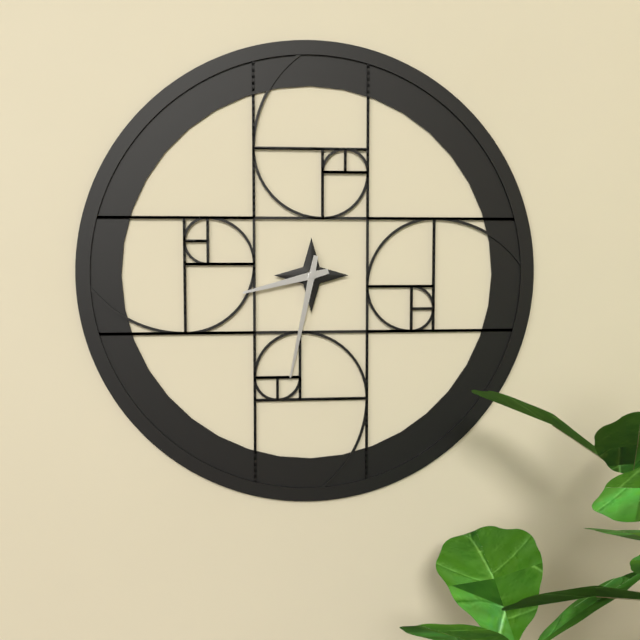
**8:32**
